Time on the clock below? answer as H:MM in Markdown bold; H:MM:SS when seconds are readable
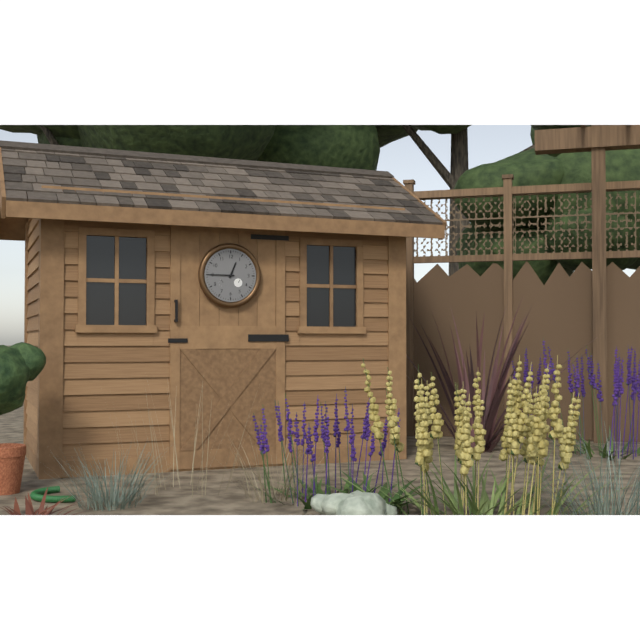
**12:45**
